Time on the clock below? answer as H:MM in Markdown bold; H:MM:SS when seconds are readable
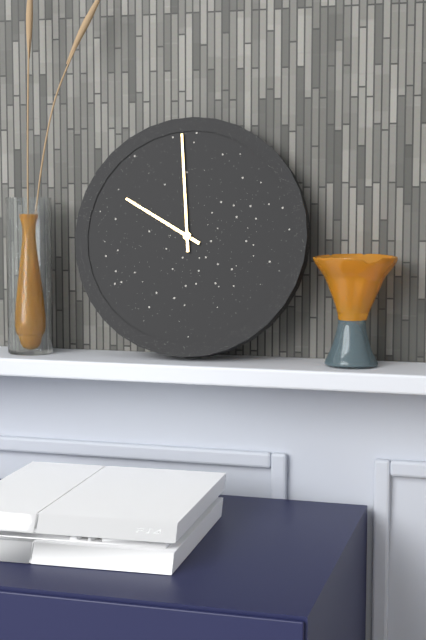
**9:59**
